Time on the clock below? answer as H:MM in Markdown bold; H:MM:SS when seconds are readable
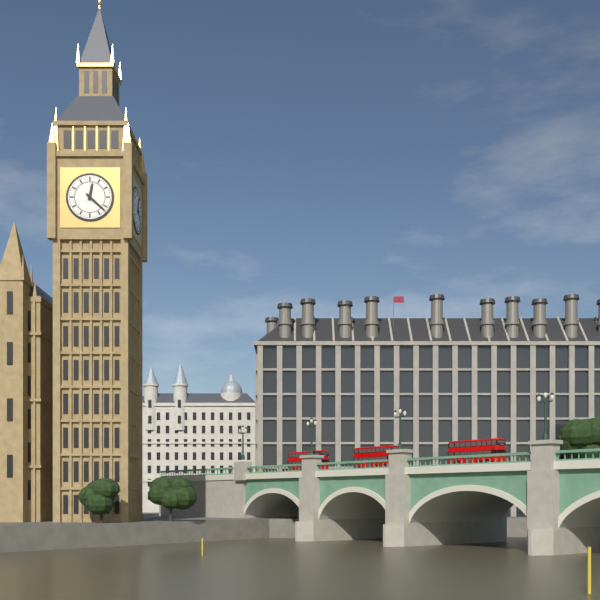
**12:22**
